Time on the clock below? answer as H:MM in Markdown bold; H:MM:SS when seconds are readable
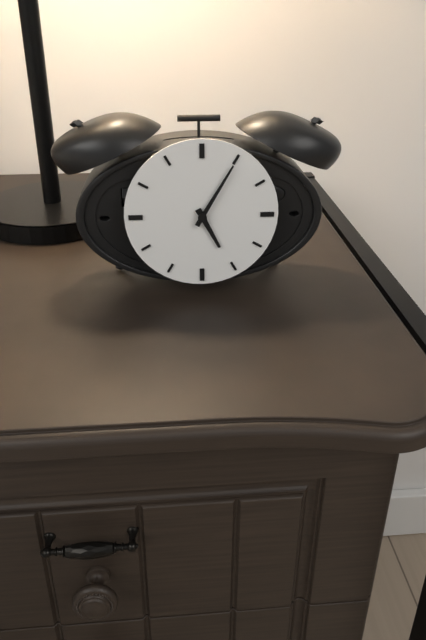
**5:05**
